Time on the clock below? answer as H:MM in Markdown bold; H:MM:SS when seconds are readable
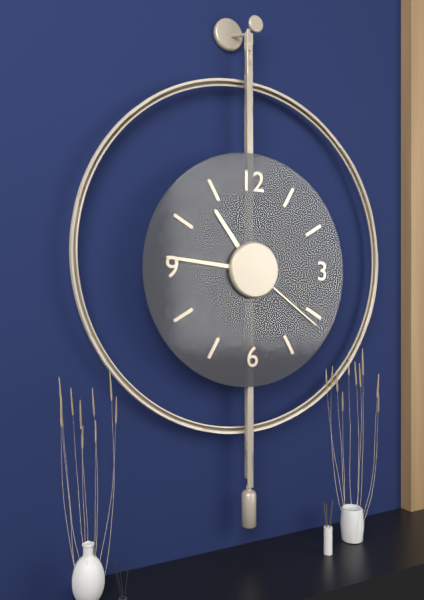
**10:46:21**
